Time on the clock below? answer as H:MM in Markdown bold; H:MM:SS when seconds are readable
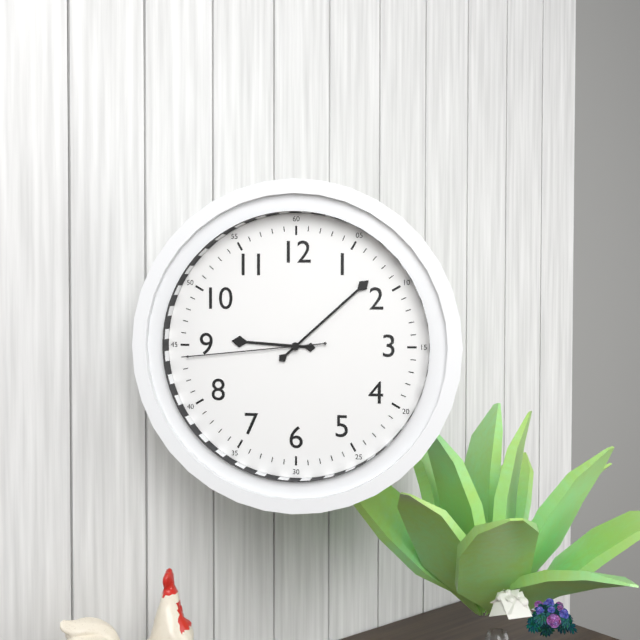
**9:08:44**
